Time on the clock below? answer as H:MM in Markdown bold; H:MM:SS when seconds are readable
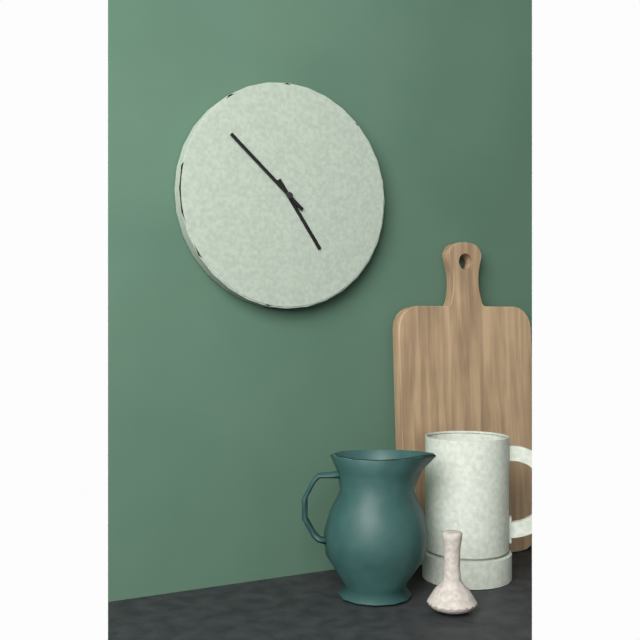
**4:52**
